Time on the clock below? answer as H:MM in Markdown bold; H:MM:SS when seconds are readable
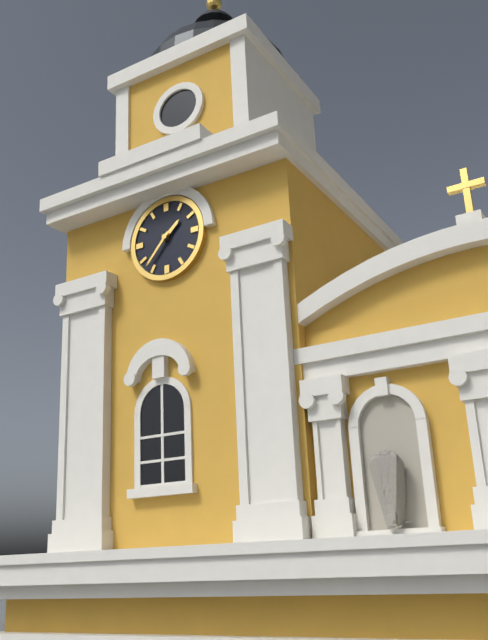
**1:37**
